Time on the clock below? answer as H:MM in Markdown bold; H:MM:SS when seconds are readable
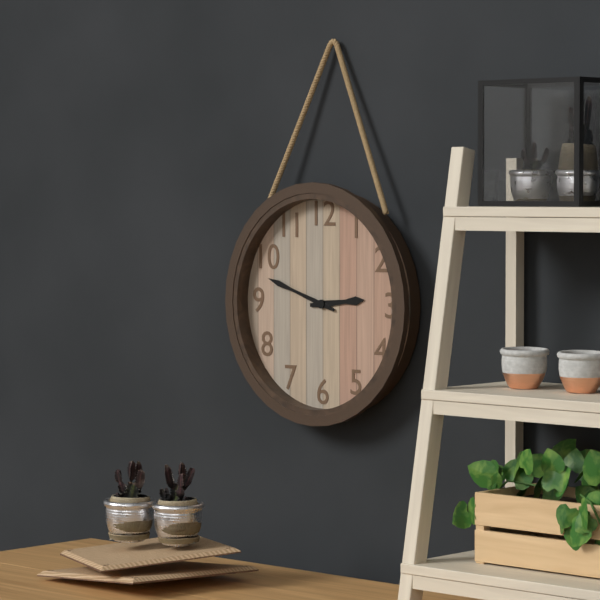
**2:48**
